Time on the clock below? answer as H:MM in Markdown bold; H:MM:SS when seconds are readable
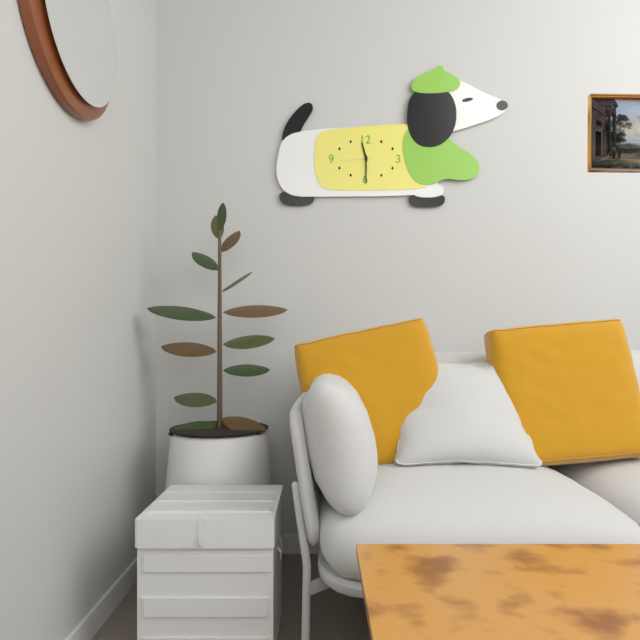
**11:30**
